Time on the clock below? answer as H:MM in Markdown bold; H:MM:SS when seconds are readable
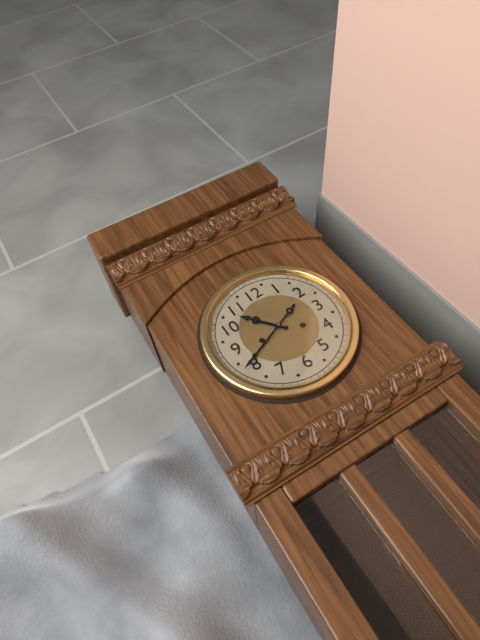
**10:41**
